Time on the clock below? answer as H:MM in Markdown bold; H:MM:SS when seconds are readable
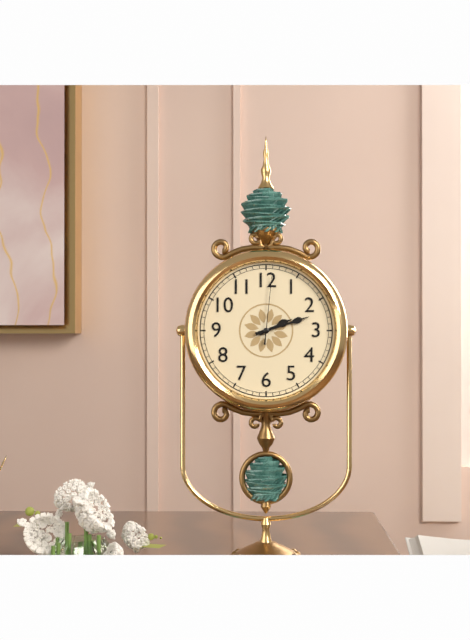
**2:12:01**
